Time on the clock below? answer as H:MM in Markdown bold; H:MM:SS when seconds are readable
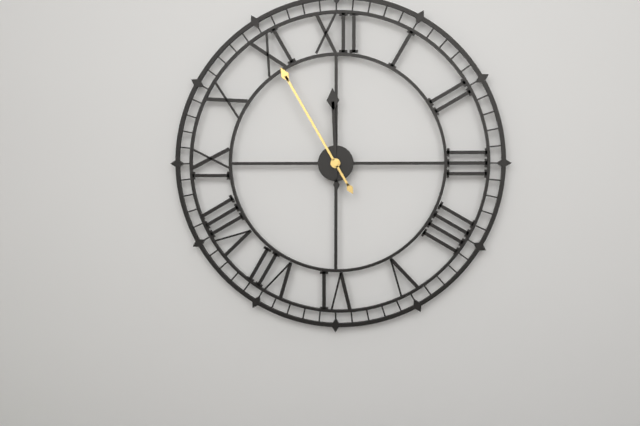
**11:55**
